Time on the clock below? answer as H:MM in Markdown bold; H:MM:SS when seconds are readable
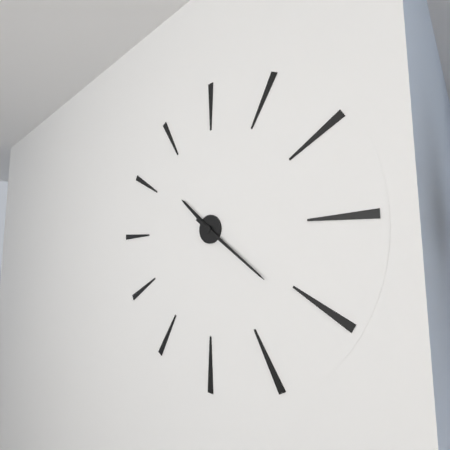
**10:21**
